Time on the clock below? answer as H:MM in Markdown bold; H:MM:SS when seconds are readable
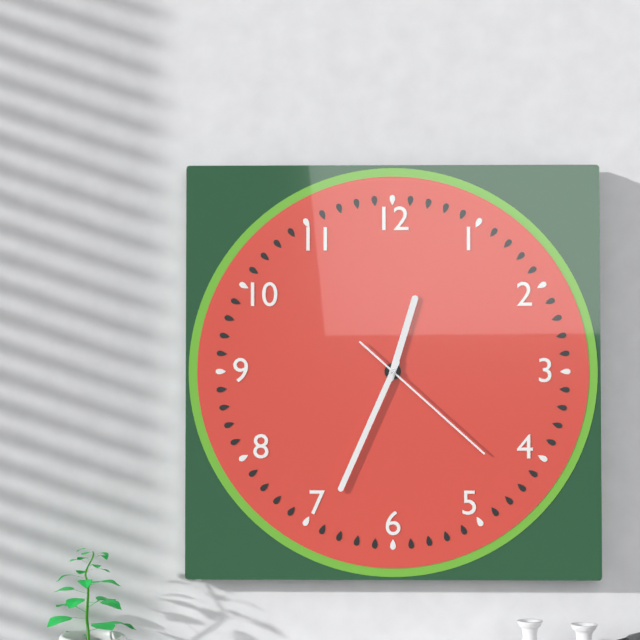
**12:34:22**
